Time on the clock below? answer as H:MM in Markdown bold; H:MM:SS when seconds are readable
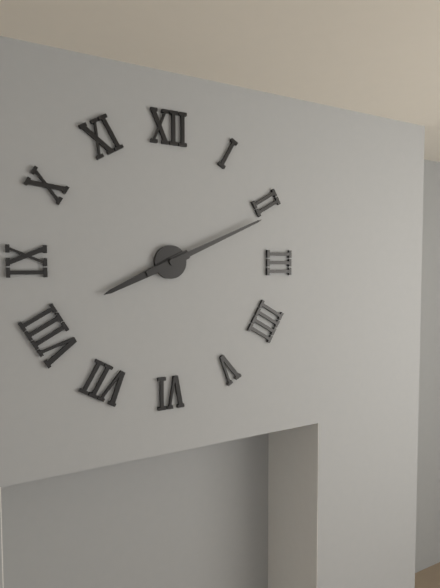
**8:11**
